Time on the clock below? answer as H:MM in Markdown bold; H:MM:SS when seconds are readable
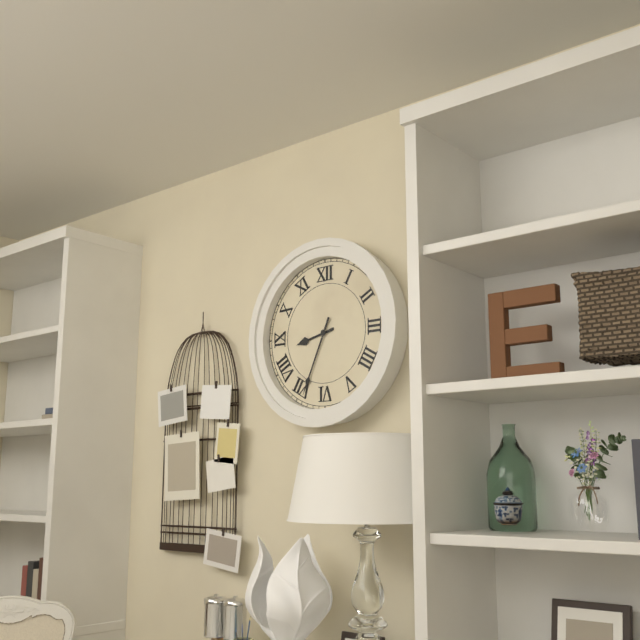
**8:34**
